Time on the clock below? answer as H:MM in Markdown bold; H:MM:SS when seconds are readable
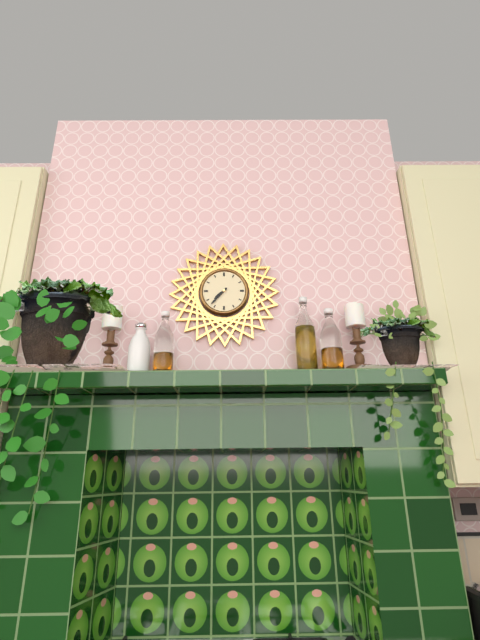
**7:37**
